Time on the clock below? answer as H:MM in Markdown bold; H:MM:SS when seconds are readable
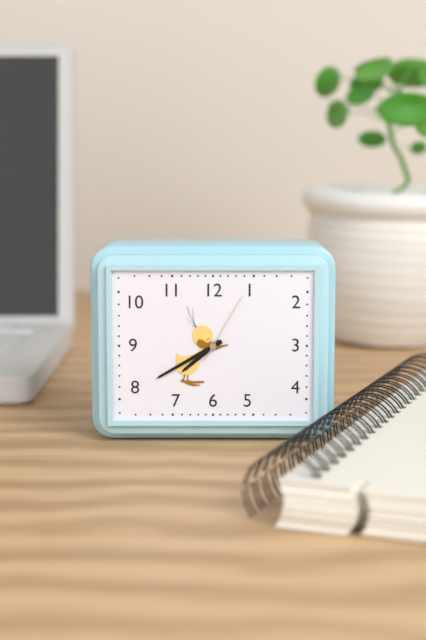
**7:40:05**
